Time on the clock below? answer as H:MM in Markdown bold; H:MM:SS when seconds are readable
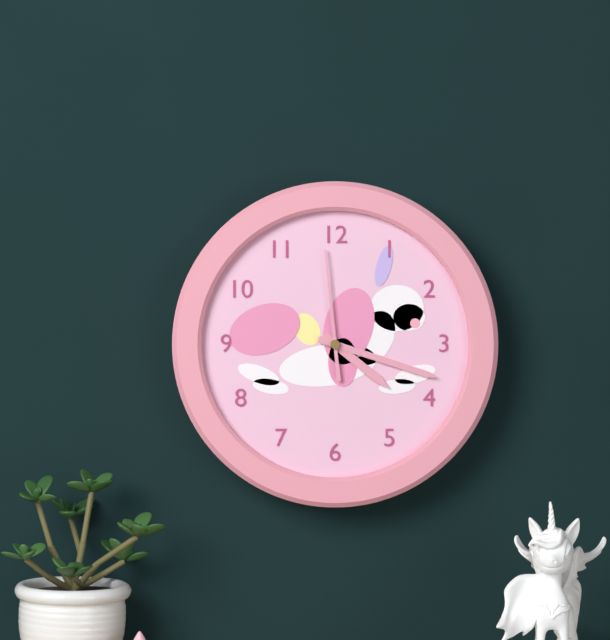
**4:18:59**
